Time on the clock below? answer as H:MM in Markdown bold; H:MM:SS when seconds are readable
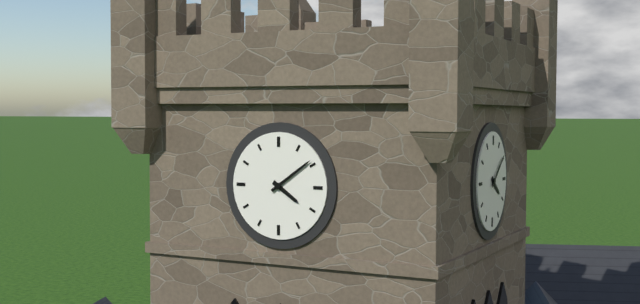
**4:09**
